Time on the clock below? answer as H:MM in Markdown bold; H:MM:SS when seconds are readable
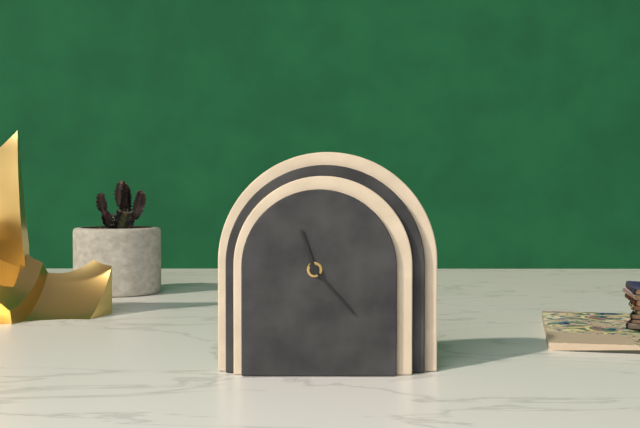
**11:23**
